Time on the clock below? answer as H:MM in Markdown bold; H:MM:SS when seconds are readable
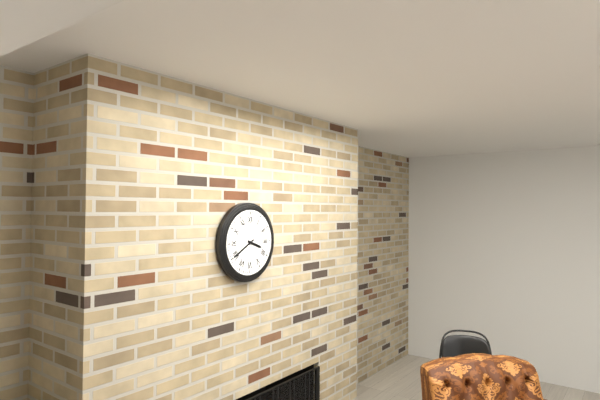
**3:40**
